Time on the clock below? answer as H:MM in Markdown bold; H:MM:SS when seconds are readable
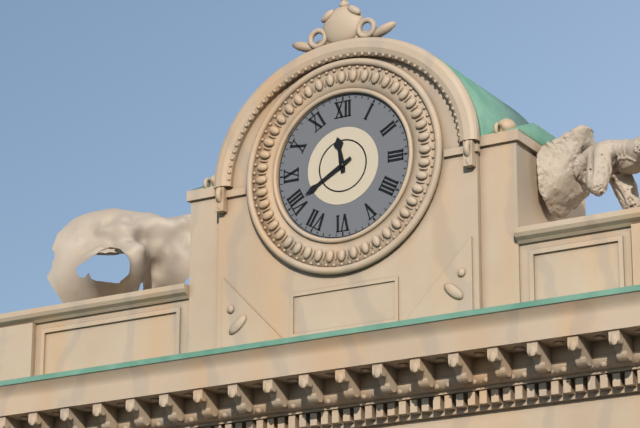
**11:40**
